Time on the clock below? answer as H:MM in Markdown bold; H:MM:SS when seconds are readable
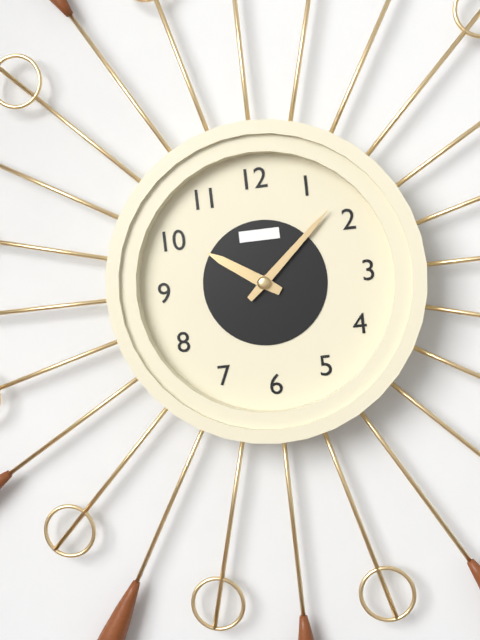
**10:08**
